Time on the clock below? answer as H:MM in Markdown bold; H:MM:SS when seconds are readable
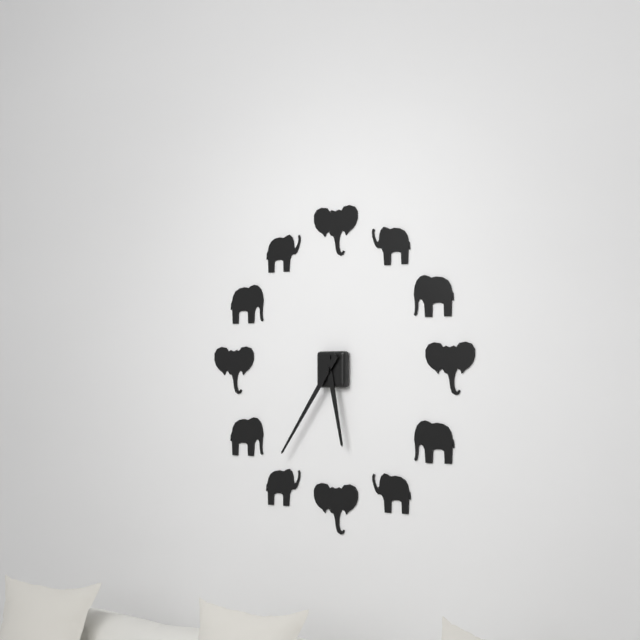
**5:36**
